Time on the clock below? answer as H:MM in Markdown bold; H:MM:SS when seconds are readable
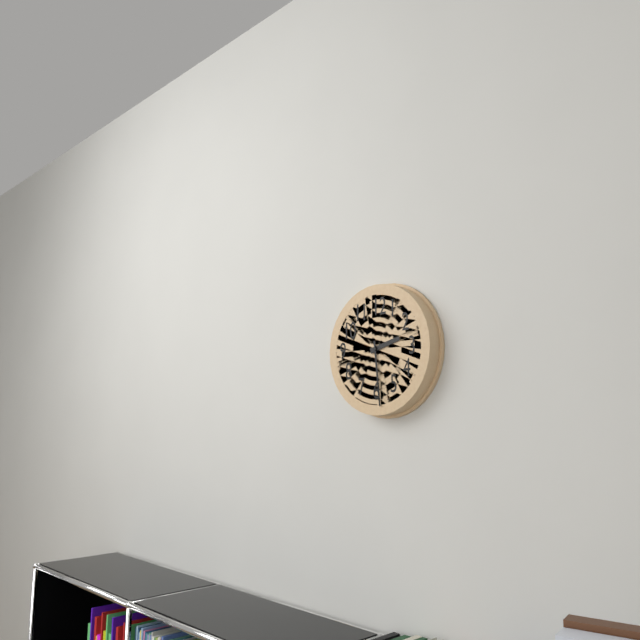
**2:29**
